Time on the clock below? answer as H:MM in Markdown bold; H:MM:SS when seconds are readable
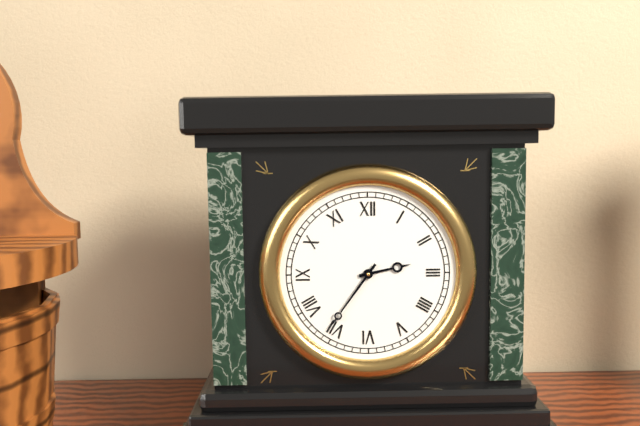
**2:36**
